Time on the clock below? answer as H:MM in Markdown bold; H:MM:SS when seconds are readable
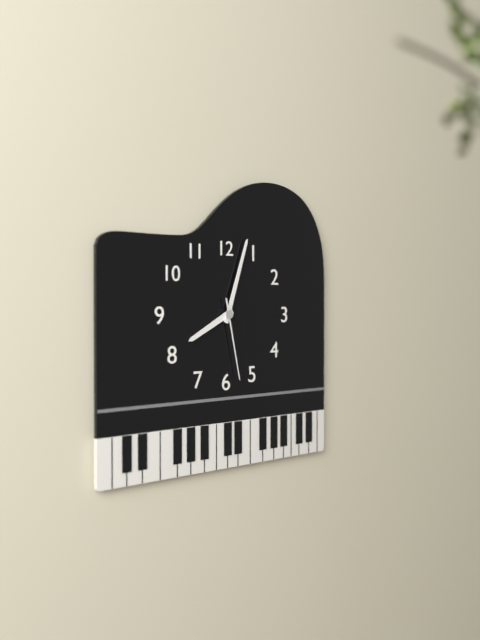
**8:03:28**
